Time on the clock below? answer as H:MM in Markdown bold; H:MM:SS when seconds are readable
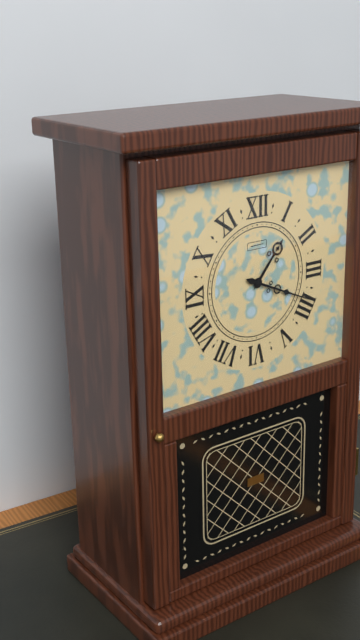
**1:19**
